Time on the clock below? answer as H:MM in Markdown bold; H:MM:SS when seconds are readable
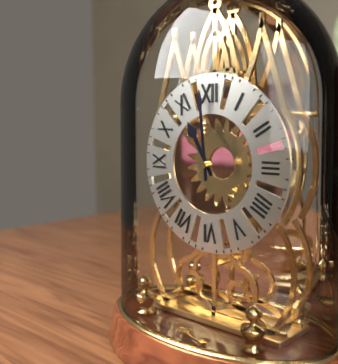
**10:59**
